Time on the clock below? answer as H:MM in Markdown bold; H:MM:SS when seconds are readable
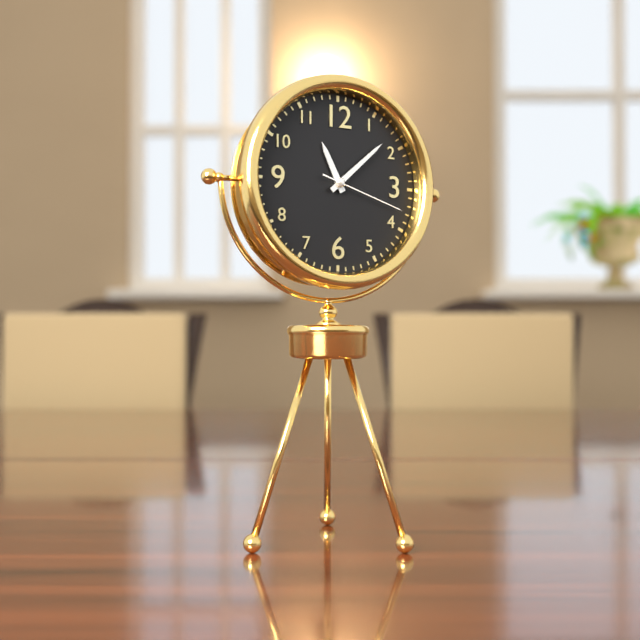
**11:08:18**
